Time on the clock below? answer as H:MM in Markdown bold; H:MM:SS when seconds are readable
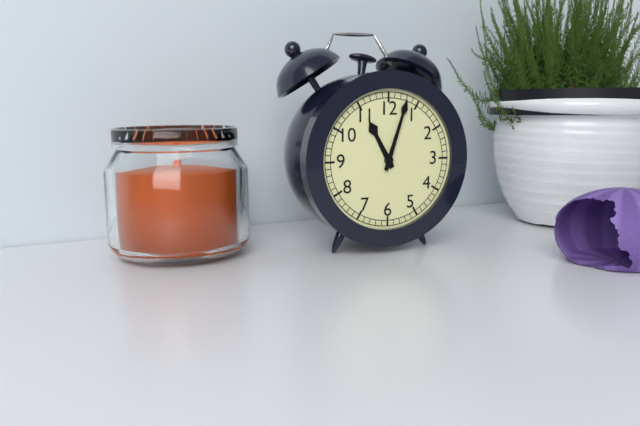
**11:03**
